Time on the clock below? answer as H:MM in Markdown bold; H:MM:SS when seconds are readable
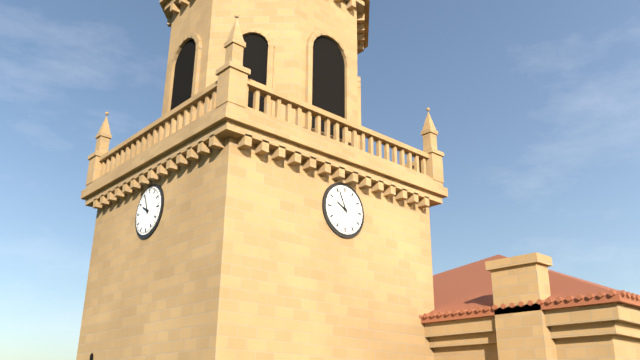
**9:56**
